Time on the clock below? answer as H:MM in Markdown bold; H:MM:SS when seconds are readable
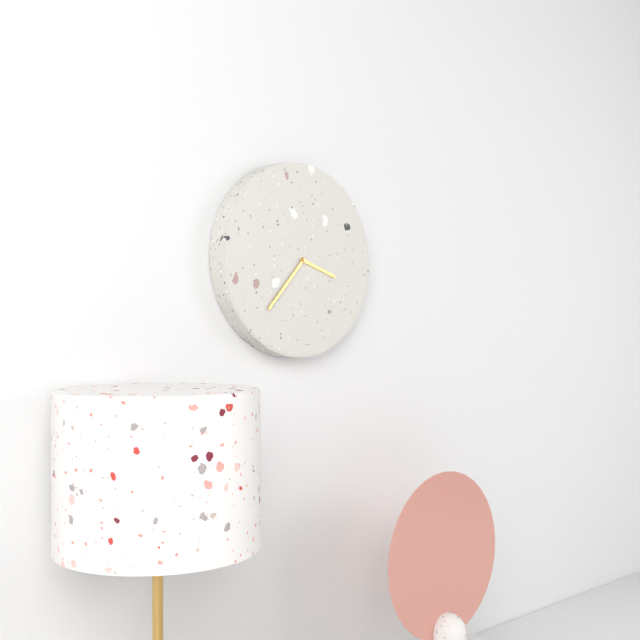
**3:37**
